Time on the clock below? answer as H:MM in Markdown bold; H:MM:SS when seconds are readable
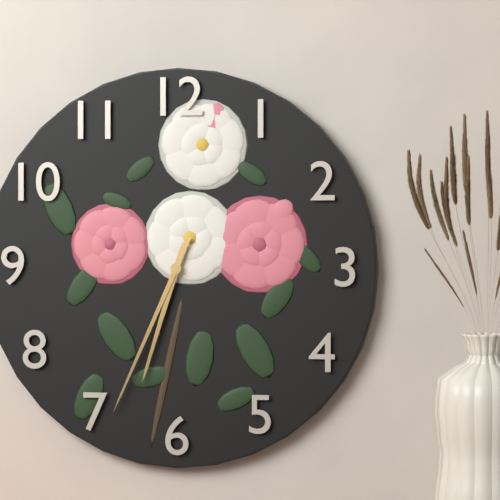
**6:34**
